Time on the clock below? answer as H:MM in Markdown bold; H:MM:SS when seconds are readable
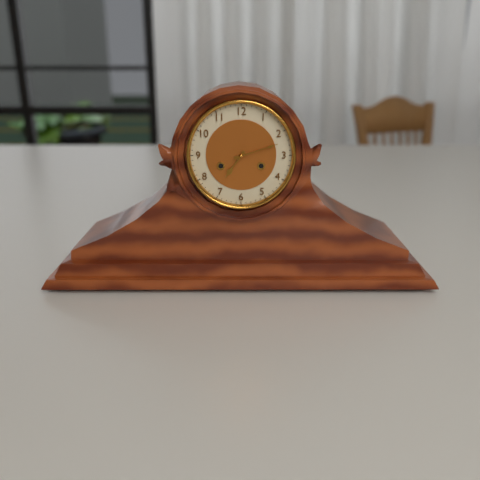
**7:12**
